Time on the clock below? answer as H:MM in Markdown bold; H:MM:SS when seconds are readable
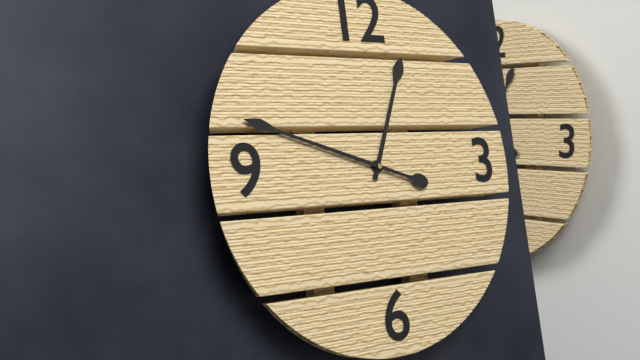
**12:48**
